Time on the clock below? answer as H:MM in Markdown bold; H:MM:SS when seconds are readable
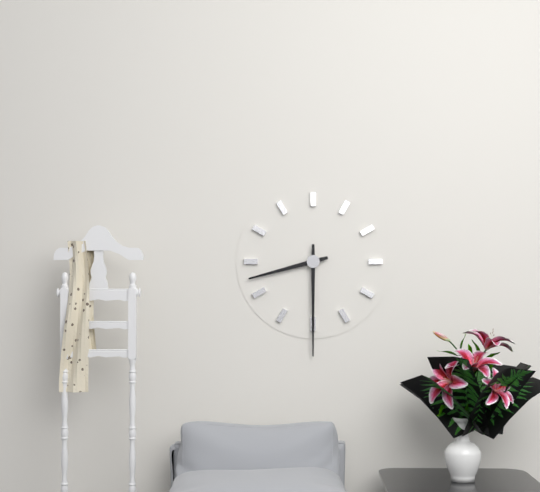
**8:30**
